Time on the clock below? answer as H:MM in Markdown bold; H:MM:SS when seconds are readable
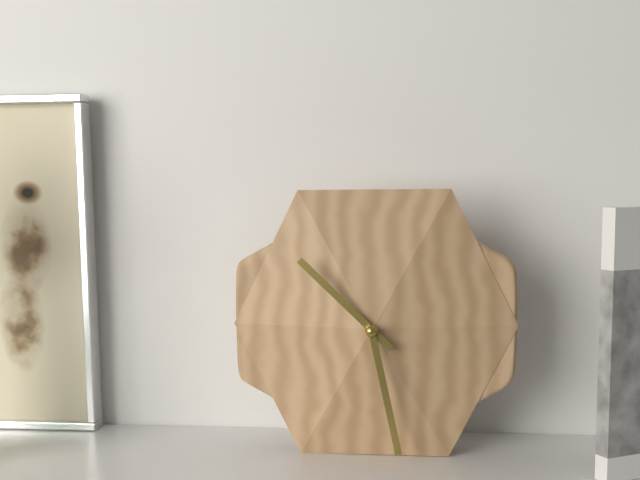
**10:28**
